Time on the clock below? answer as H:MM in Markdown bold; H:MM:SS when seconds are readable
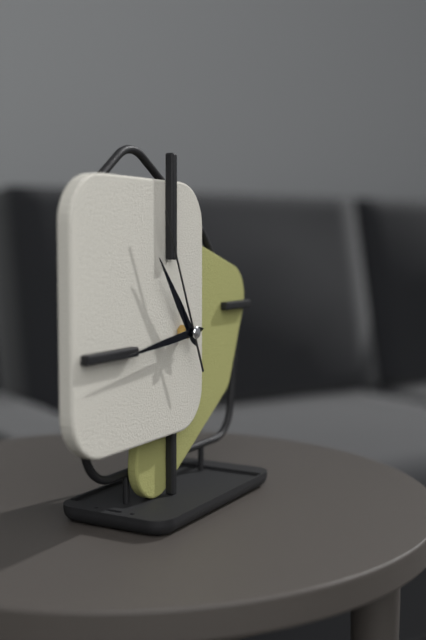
**10:44:56**
